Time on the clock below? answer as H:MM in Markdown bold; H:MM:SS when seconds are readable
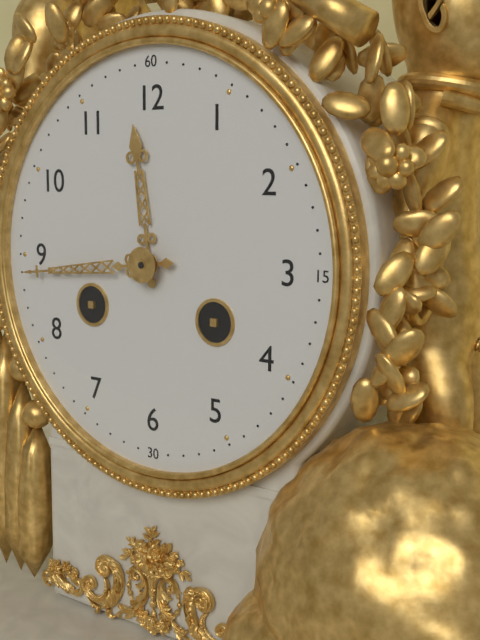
**11:44**
